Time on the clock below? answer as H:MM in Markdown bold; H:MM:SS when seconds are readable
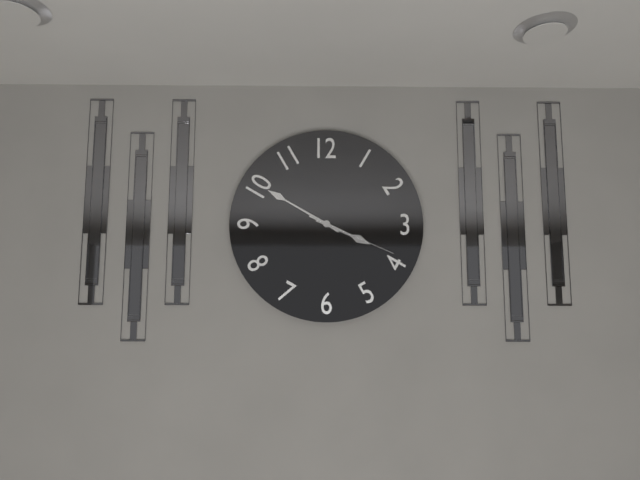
**3:50:19**
